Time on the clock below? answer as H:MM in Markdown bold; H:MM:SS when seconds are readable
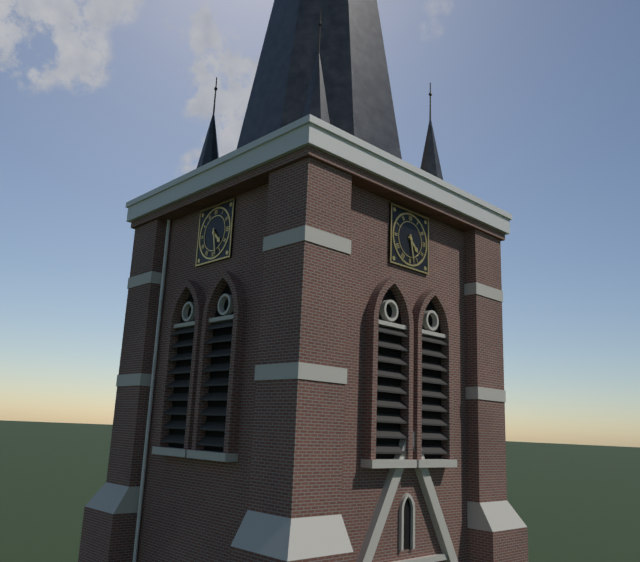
**4:28**
